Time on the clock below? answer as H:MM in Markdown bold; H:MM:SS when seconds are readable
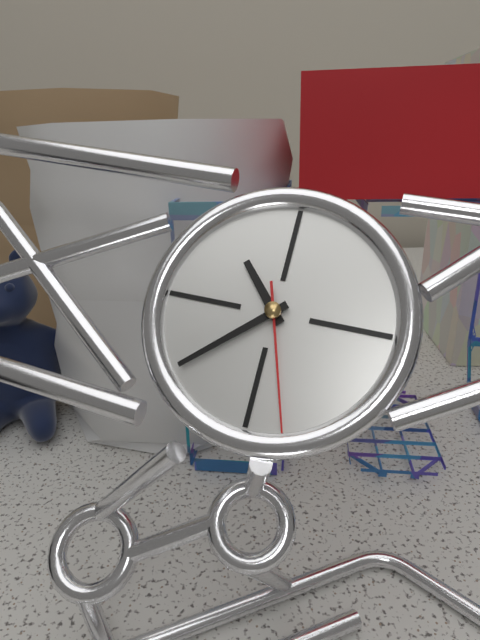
**10:38:27**
